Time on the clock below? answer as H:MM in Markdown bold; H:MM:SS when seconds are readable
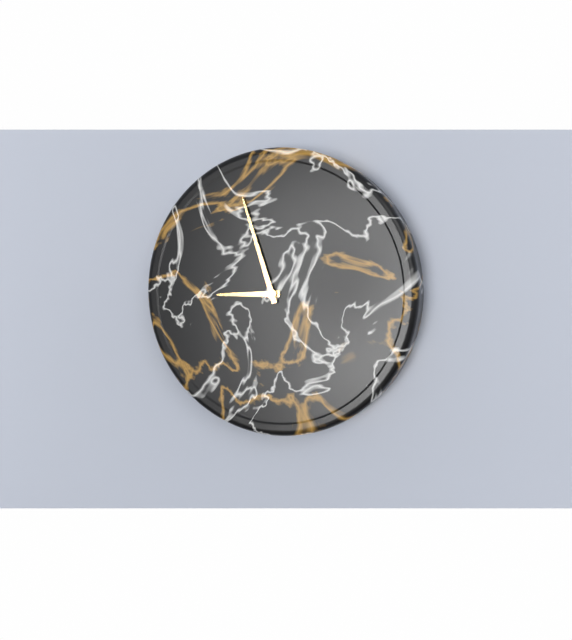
**8:57**
